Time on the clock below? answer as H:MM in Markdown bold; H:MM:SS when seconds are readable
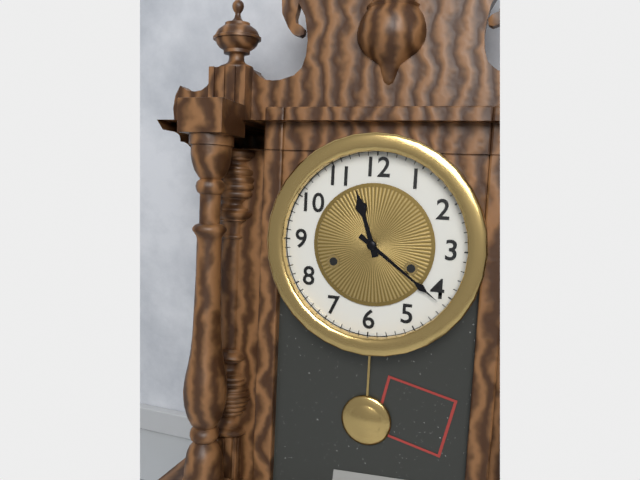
**11:21**
